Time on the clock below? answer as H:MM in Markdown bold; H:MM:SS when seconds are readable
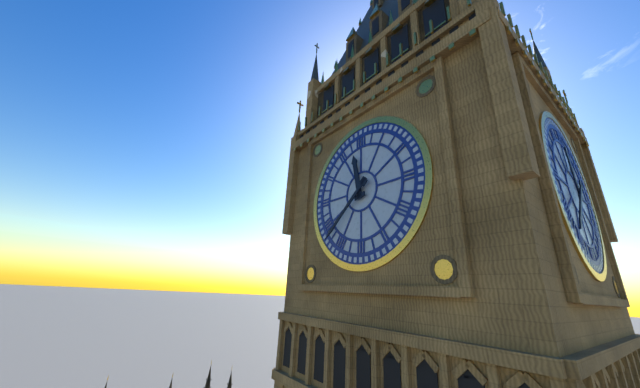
**11:38**
